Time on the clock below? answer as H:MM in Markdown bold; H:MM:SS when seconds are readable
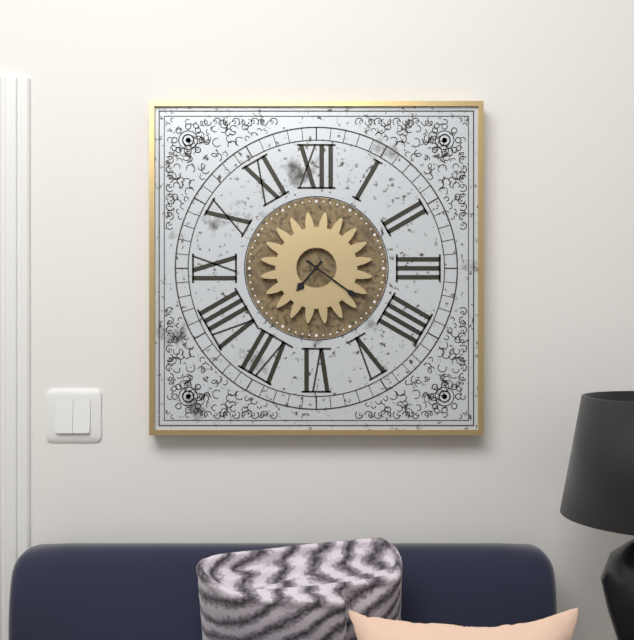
**7:21**
